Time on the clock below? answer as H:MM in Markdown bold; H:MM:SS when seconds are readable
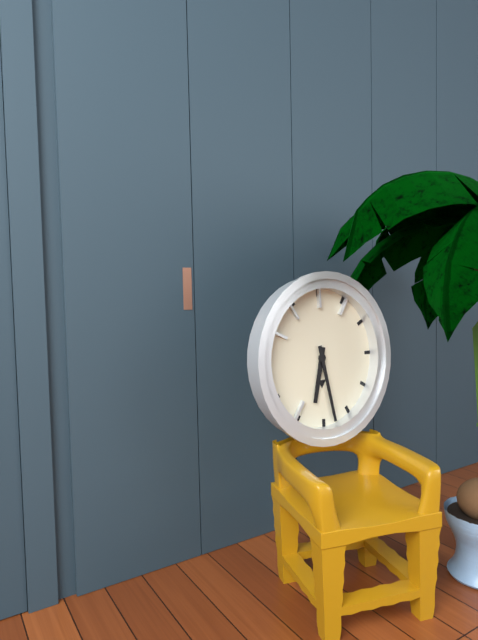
**6:28**
